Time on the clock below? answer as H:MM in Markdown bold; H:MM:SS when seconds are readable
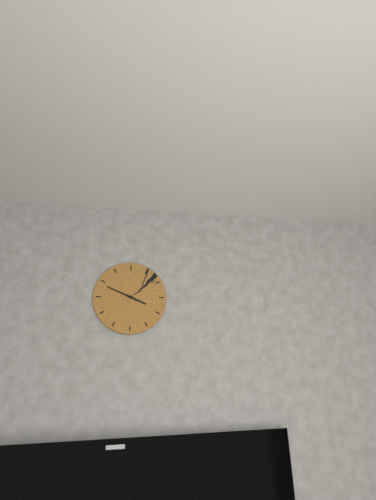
**3:49**
